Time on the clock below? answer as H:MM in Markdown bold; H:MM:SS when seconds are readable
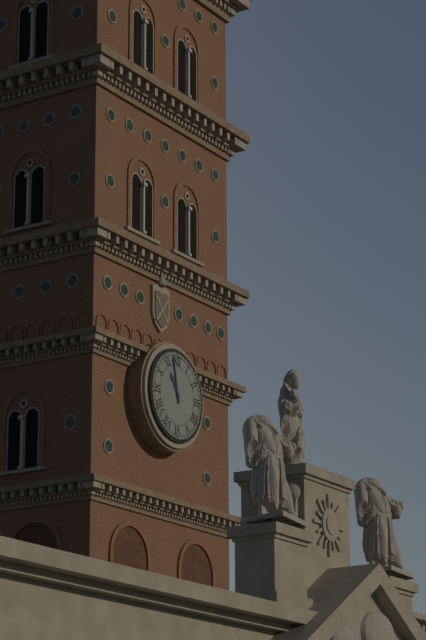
**10:58**
